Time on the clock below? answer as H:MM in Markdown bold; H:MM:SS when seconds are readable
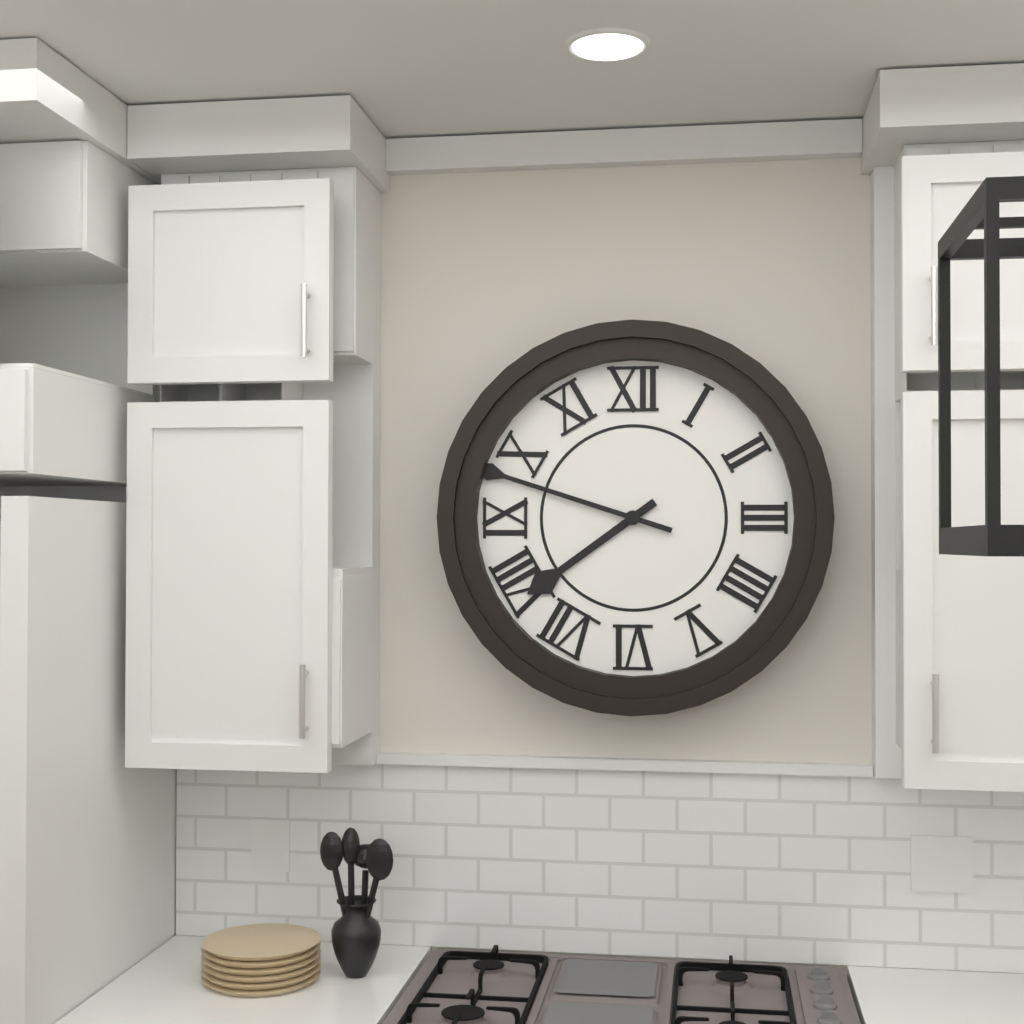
**7:48**
